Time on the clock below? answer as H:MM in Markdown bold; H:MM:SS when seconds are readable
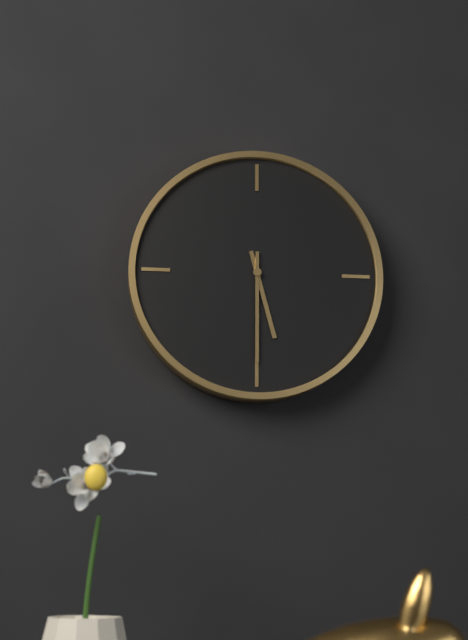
**5:30**
